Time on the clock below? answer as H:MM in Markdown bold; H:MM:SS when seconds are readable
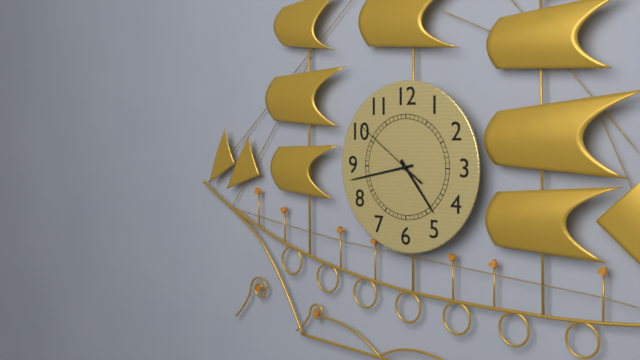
**4:43:51**
